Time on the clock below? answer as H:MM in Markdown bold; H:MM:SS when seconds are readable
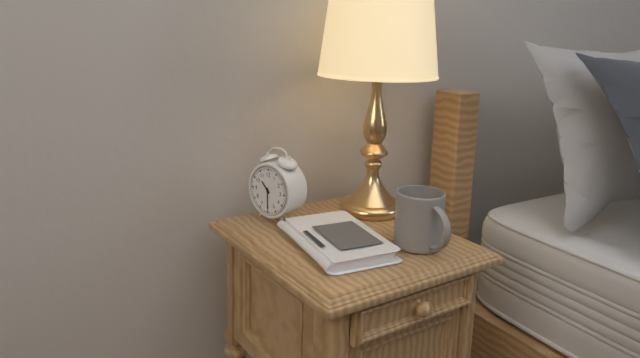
**10:30**
